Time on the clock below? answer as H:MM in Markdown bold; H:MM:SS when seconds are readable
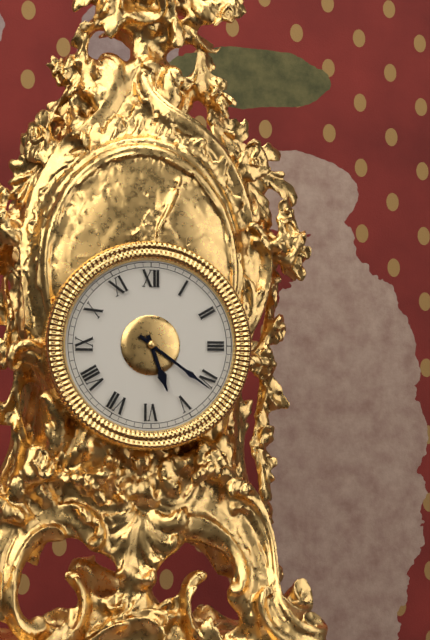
**5:21**
